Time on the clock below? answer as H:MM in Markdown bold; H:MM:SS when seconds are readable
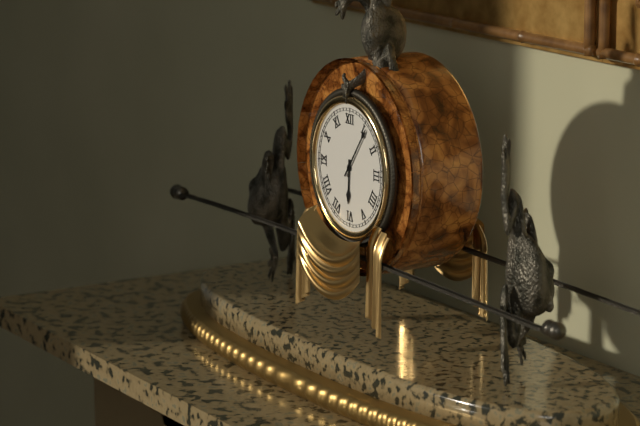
**6:06**
